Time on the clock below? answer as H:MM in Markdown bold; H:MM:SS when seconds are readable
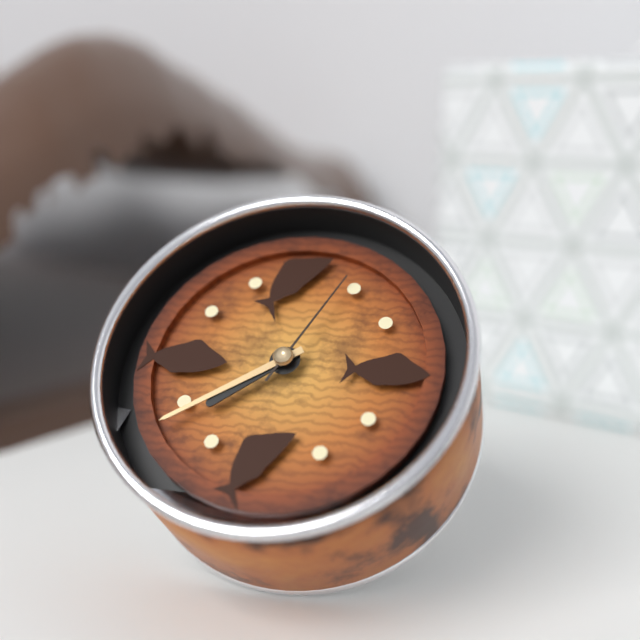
**7:39:04**
